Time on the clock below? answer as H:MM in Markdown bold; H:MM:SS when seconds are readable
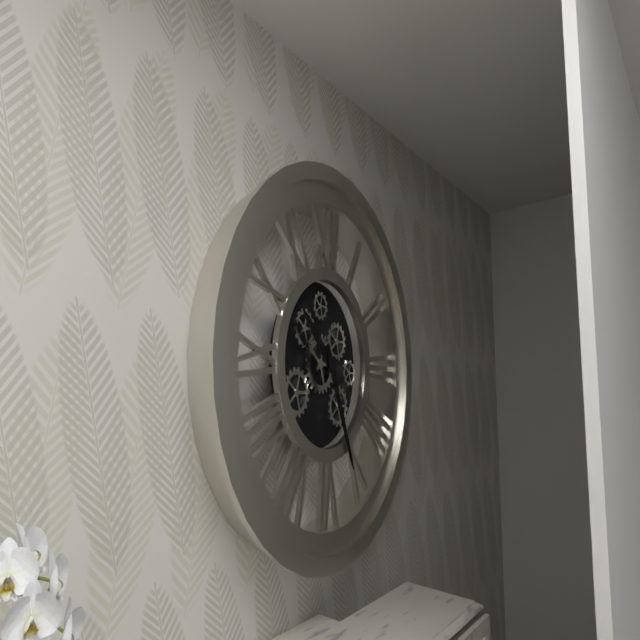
**10:26**
